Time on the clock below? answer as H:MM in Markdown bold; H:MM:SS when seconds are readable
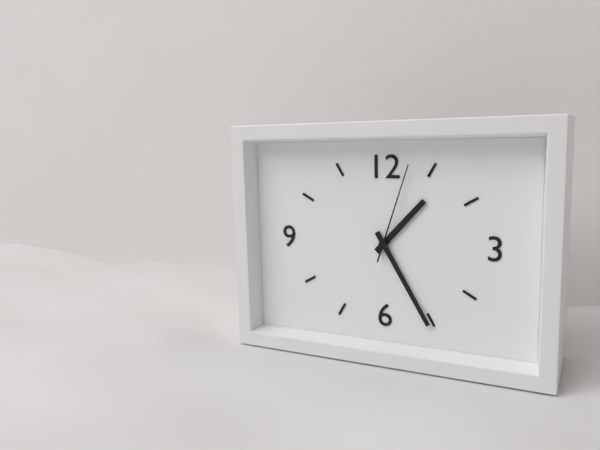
**1:25:03**
